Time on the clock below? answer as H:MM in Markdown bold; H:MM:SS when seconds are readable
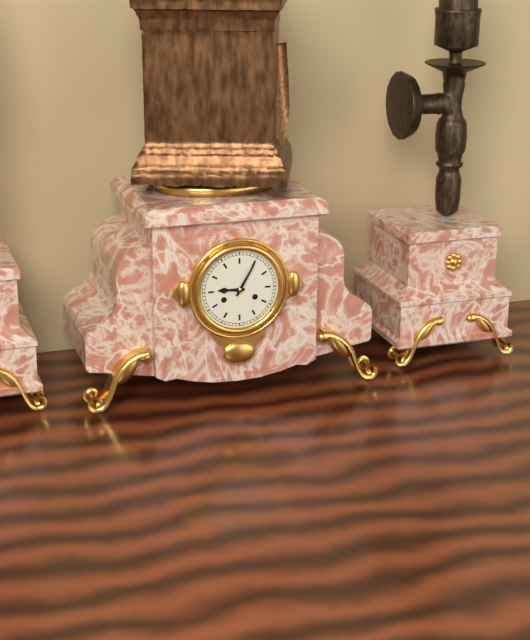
**9:05**
